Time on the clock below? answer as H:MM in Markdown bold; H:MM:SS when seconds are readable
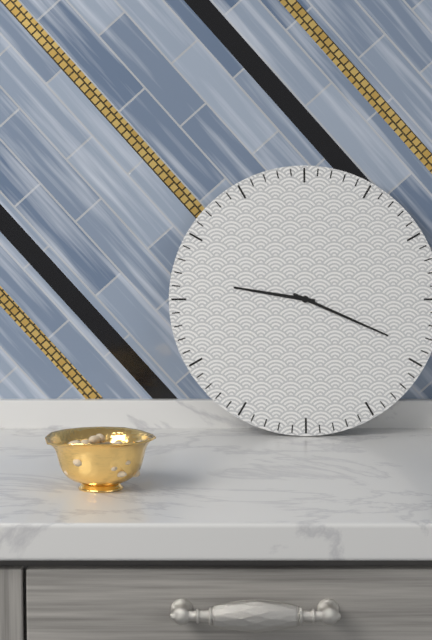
**9:19**
